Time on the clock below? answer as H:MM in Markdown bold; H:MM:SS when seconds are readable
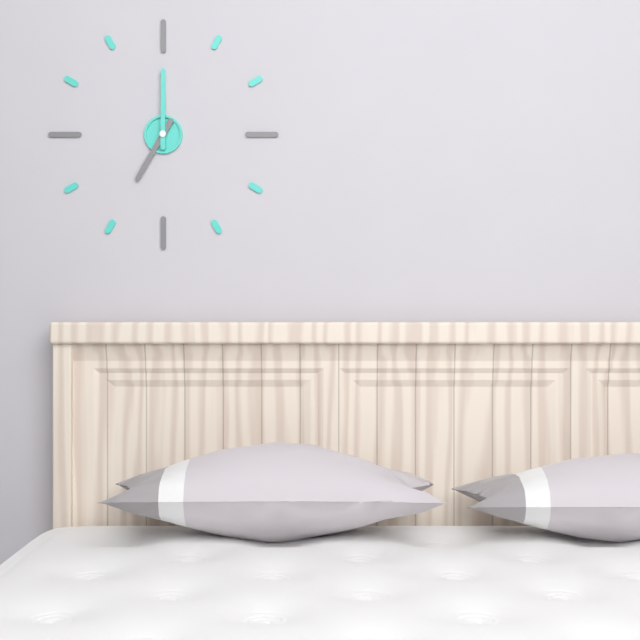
**7:00**
